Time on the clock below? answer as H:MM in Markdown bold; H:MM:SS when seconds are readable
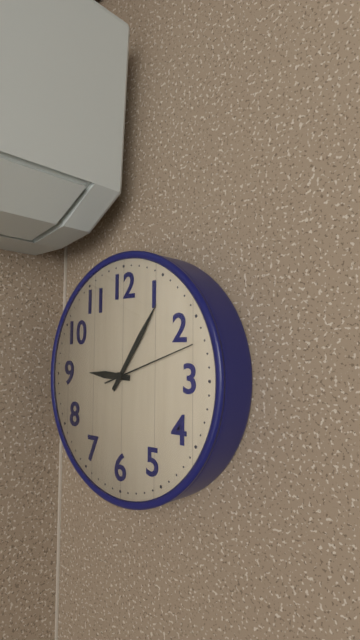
**9:06:12**
